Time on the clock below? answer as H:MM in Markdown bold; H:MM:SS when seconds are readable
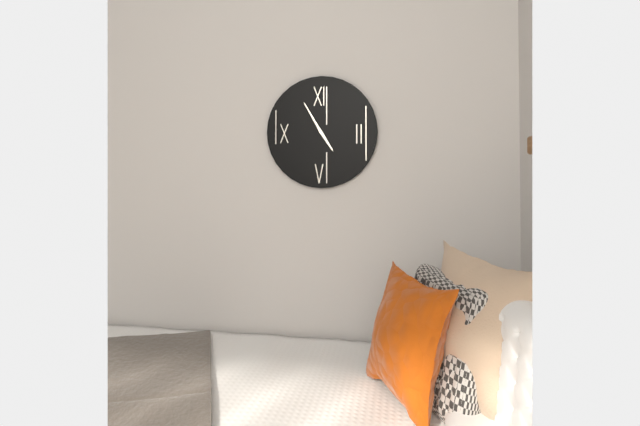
**4:55**
